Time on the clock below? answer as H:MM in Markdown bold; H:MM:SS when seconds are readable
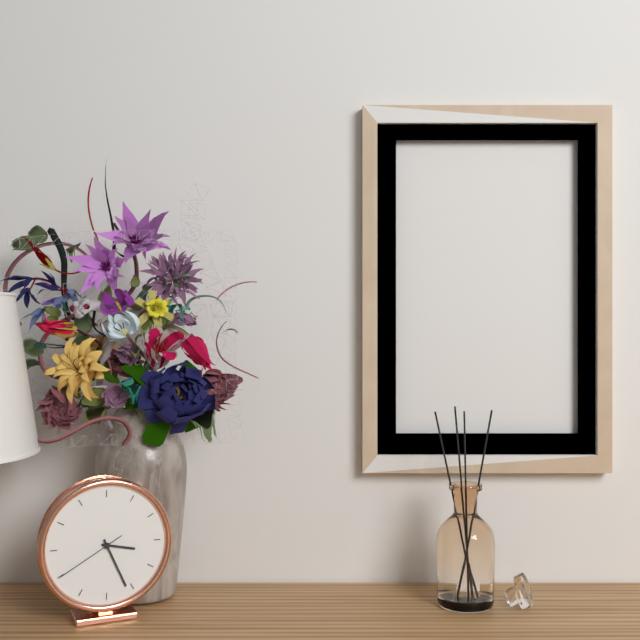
**3:26:40**
